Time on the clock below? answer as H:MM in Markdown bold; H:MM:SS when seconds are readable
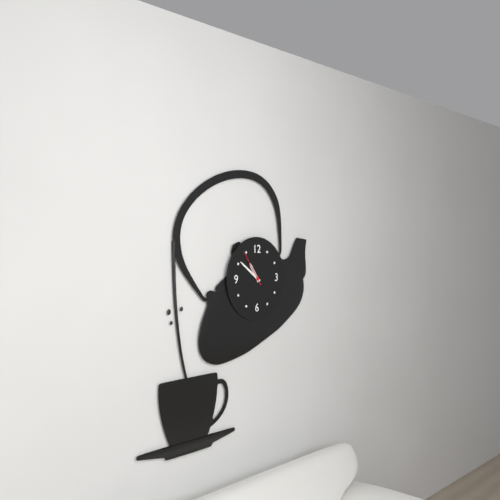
**10:51**
